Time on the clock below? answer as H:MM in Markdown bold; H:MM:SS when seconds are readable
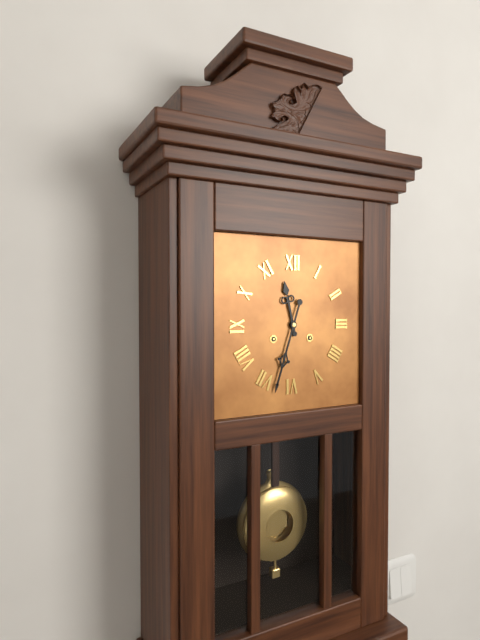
**11:33**
